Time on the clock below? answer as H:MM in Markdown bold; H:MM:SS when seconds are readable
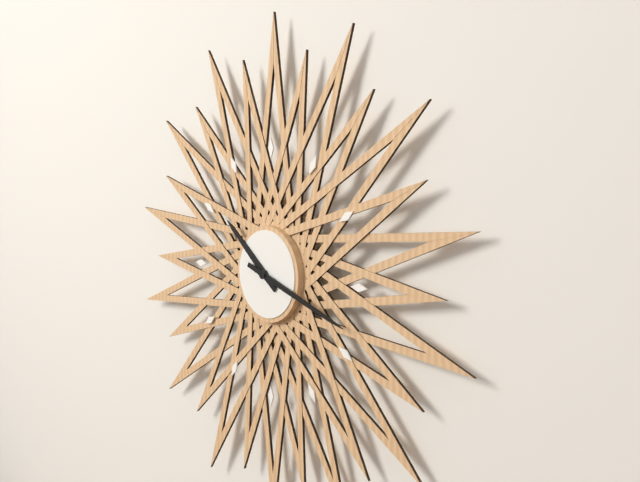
**10:18**
